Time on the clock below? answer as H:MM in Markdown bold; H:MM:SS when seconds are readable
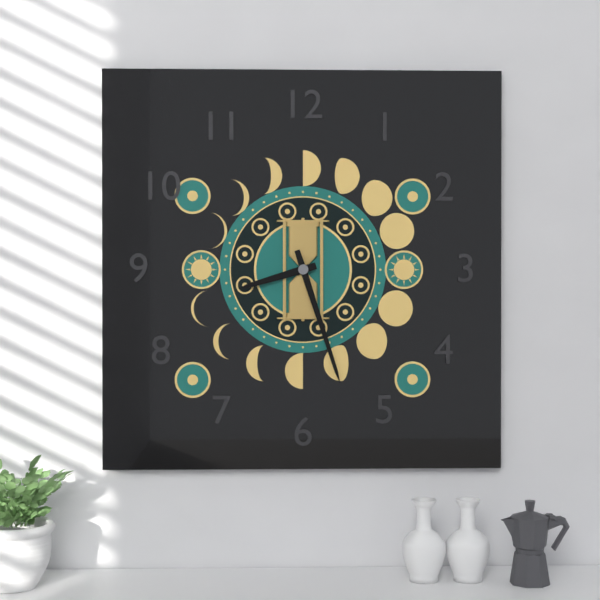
**8:27**
